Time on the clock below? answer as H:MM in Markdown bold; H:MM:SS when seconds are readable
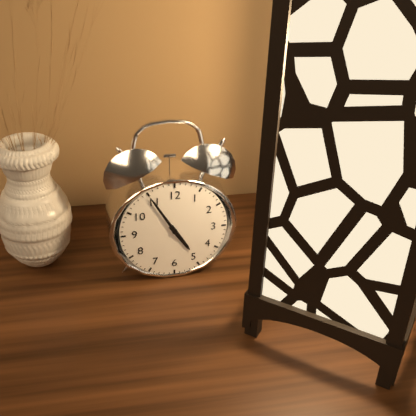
**4:55**
